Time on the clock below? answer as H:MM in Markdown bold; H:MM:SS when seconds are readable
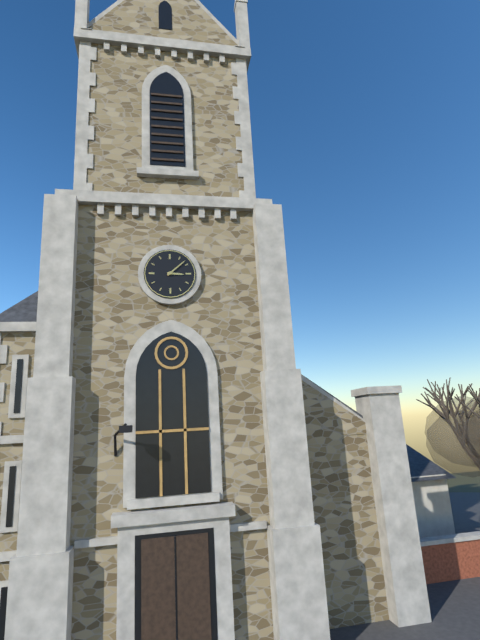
**3:08**
